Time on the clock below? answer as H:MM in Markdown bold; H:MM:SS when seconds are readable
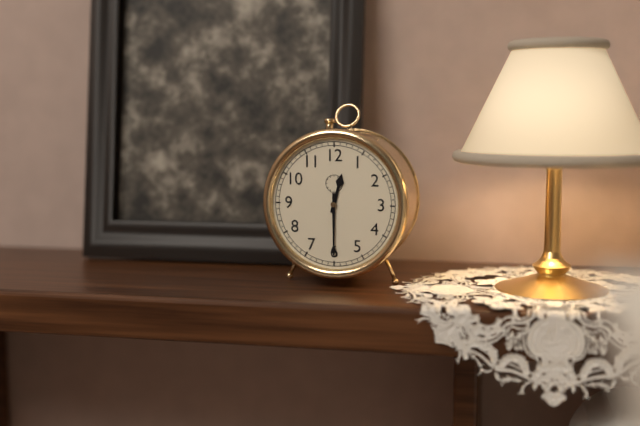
**12:30**
